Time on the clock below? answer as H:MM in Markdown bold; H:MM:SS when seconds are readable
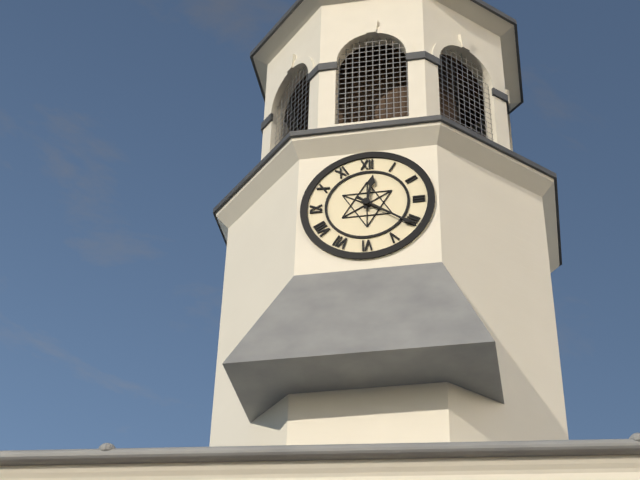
**12:21**
